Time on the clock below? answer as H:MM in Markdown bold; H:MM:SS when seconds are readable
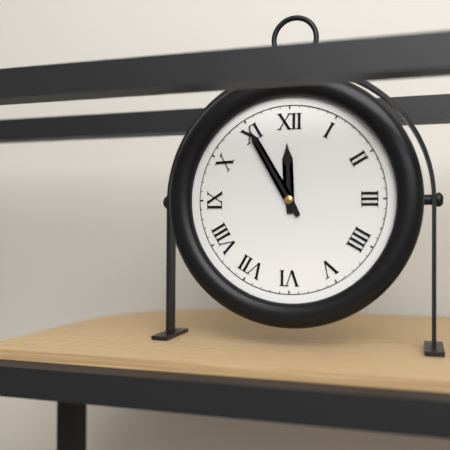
**11:55**
